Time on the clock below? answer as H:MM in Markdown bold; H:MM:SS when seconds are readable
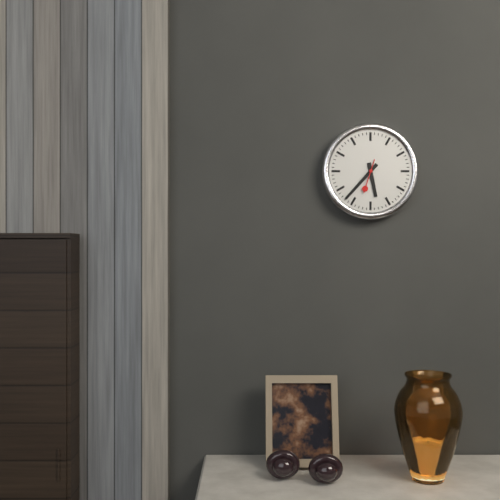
**5:37**
